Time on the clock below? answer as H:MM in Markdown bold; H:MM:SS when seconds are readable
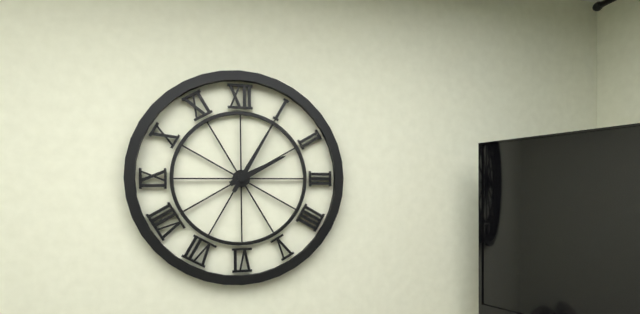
**2:05**
